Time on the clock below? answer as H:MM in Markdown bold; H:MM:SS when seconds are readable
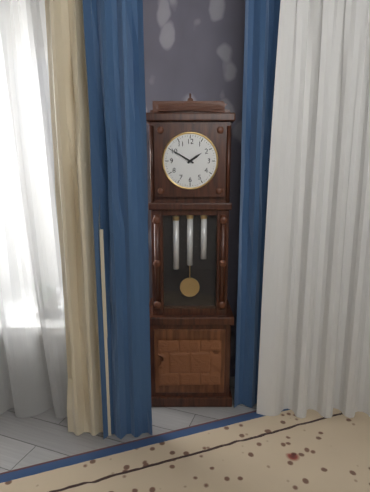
**1:50**
